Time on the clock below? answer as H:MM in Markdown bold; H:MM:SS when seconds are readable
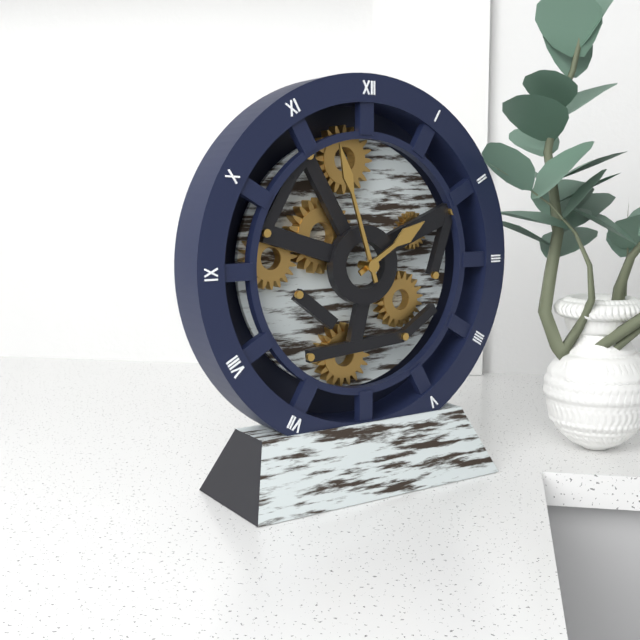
**1:57**
